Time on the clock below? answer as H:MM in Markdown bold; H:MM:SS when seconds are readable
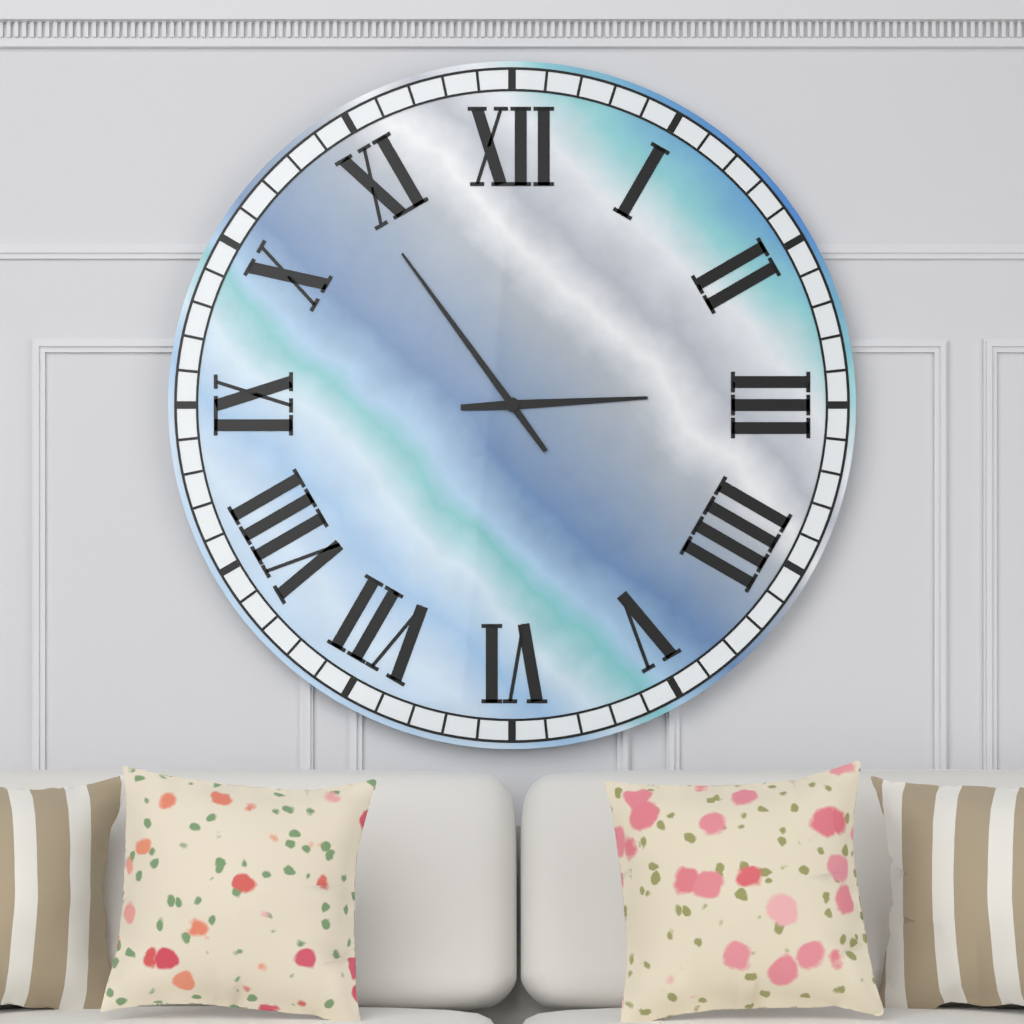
**2:54**
